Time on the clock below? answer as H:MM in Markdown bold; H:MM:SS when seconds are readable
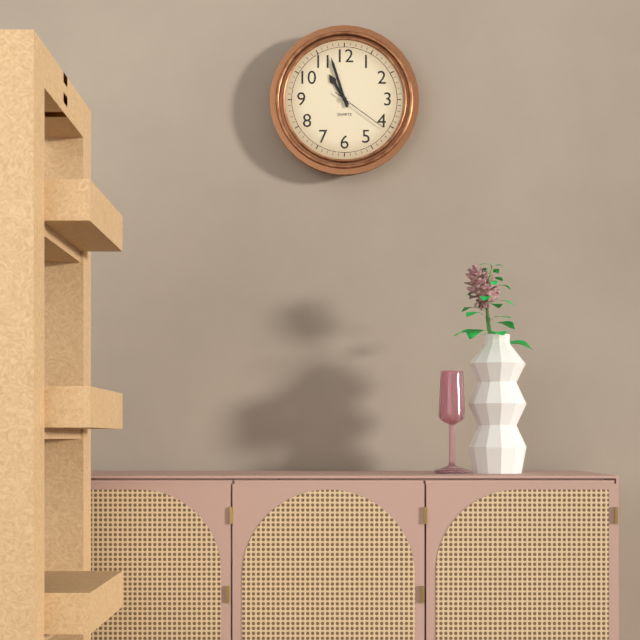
**10:57:21**
